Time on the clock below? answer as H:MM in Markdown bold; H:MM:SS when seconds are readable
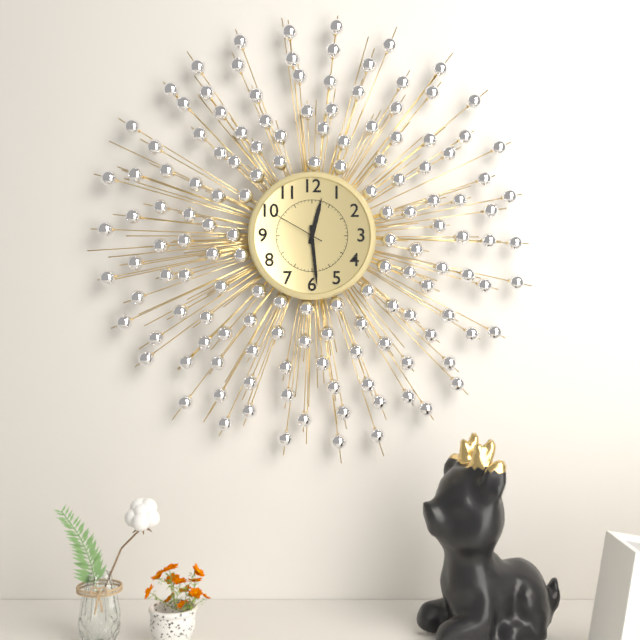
**12:29:50**
